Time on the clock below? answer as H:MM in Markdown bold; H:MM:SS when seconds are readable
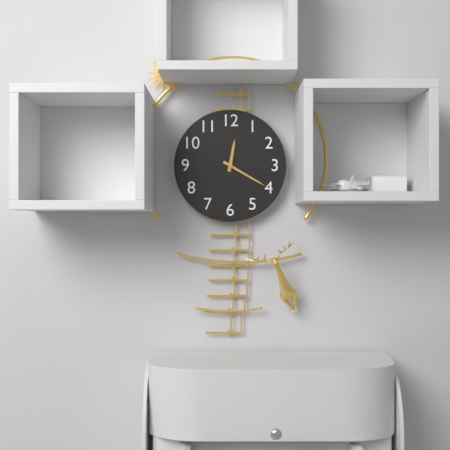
**12:20**
